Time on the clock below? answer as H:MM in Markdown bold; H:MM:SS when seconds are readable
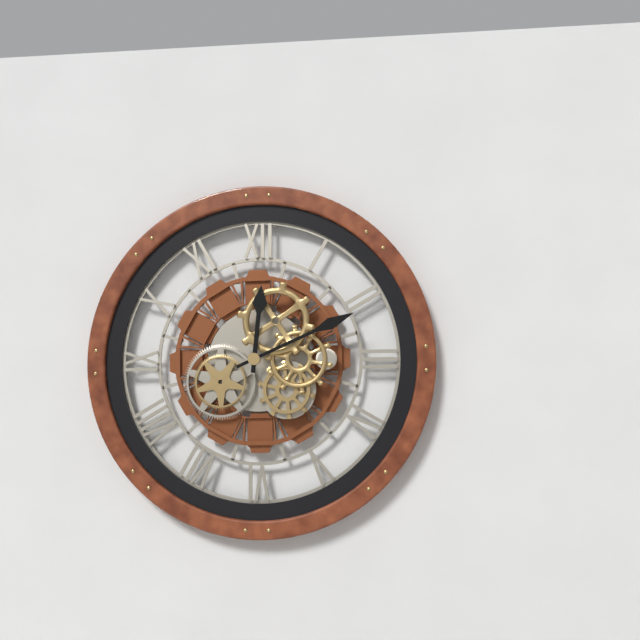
**12:11**
